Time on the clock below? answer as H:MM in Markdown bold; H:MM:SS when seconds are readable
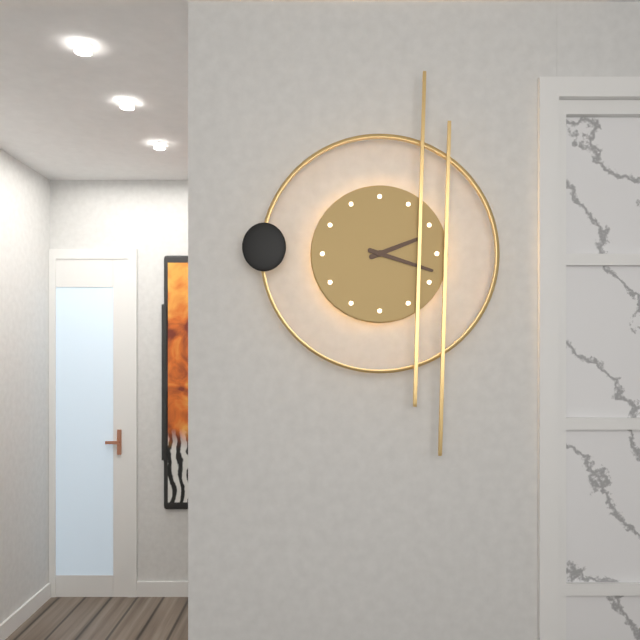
**2:18**
